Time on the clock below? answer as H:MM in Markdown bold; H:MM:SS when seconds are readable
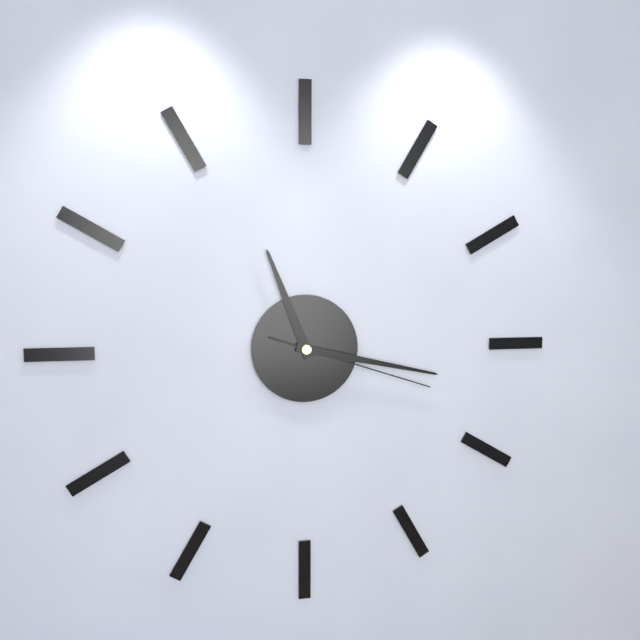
**11:17:18**
